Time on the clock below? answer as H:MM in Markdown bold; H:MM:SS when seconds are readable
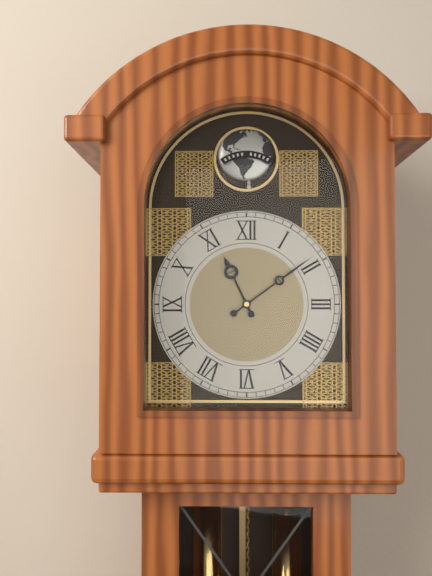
**11:09**
